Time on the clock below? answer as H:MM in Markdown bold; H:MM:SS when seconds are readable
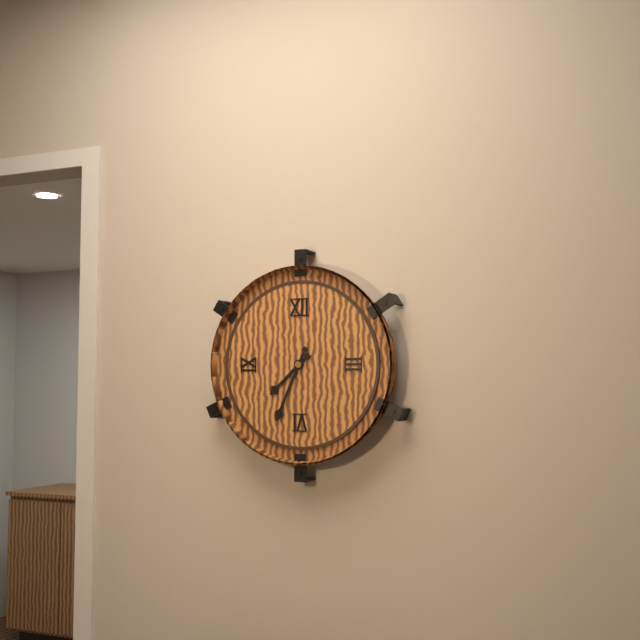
**7:34**
